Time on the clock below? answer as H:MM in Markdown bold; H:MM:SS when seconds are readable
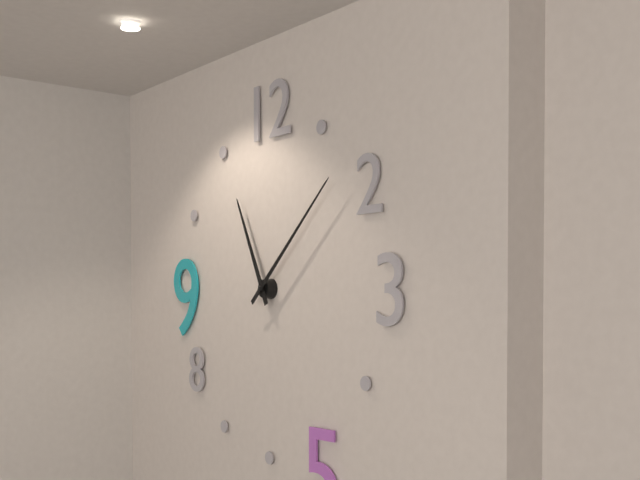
**11:08**
